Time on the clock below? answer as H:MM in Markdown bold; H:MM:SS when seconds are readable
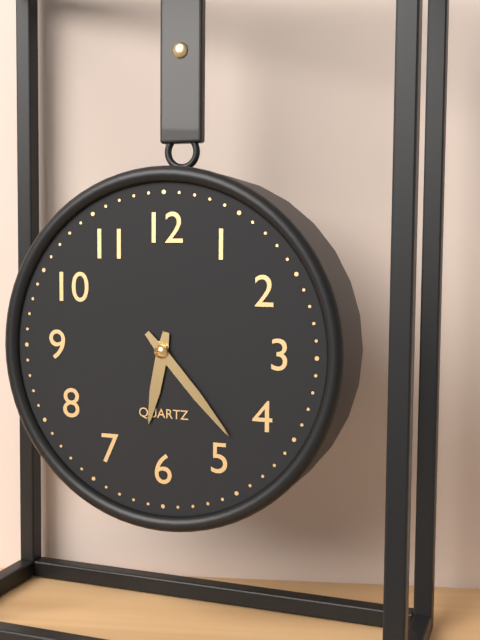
**6:23**
